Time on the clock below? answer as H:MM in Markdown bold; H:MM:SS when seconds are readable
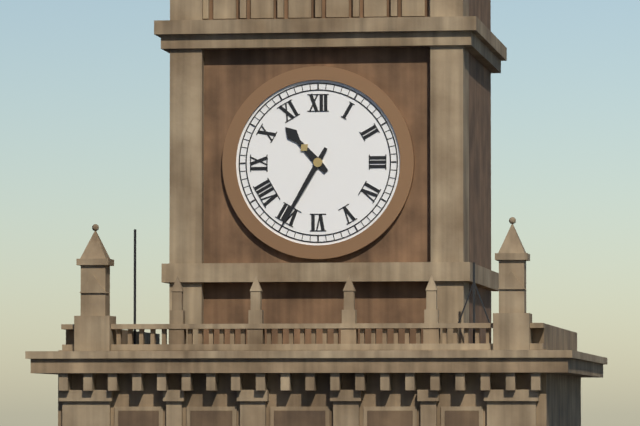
**10:35**
